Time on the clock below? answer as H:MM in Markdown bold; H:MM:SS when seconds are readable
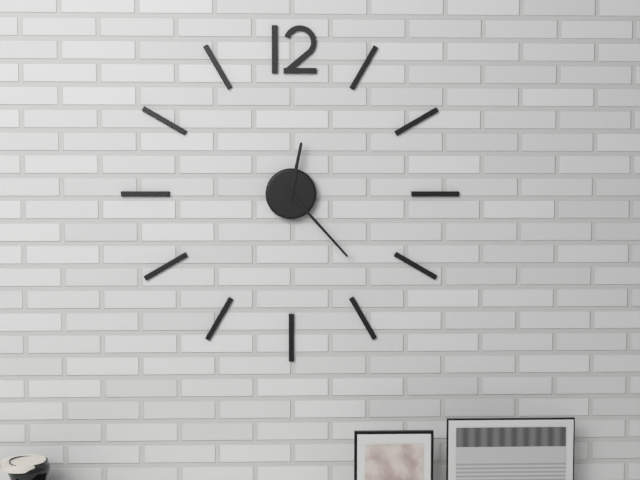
**12:23**
